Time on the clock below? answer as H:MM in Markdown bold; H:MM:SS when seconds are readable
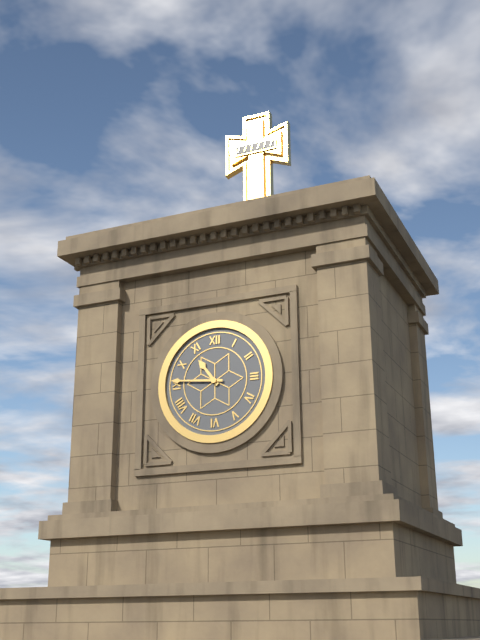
**10:46**
